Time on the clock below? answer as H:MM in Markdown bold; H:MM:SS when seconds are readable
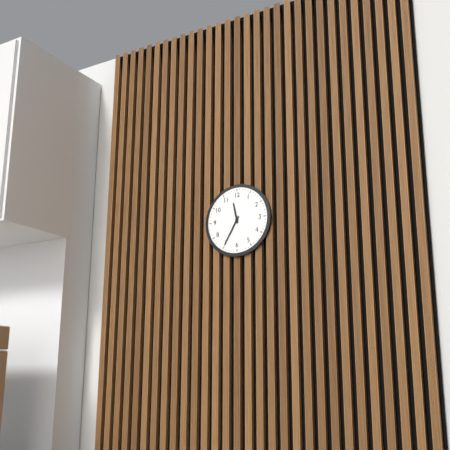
**11:35**
